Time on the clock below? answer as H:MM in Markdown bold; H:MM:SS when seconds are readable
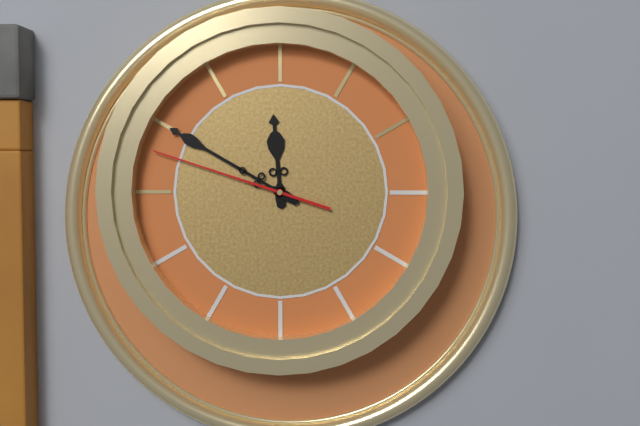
**11:50:48**
